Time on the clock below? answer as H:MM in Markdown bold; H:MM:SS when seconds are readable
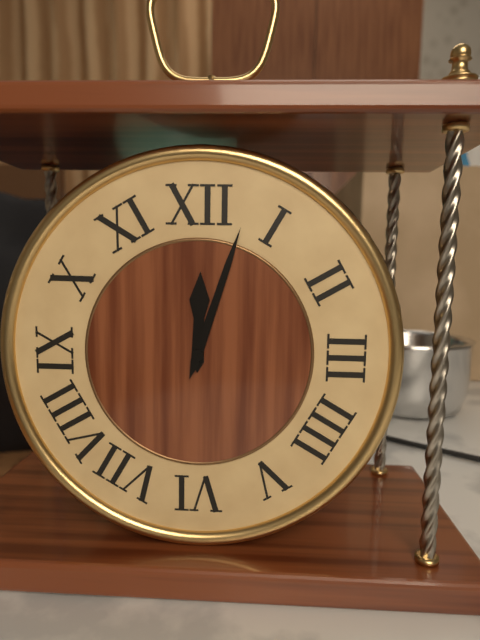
**12:03**
